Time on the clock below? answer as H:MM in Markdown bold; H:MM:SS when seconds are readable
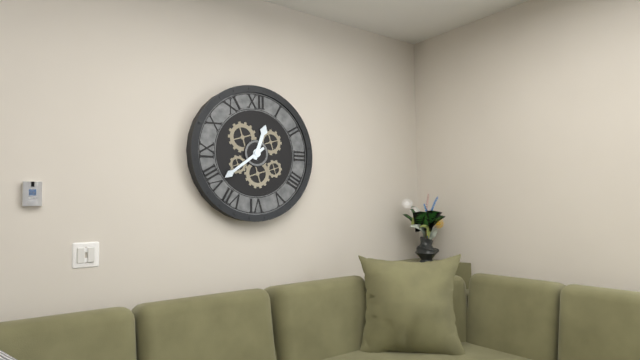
**12:39**
